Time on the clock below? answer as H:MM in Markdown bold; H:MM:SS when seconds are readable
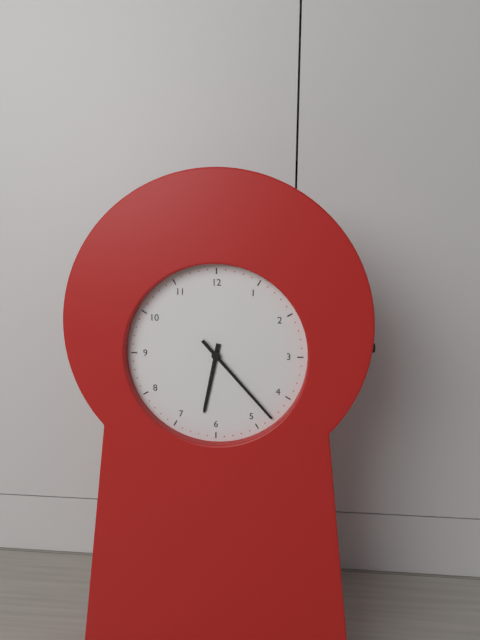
**6:23**
